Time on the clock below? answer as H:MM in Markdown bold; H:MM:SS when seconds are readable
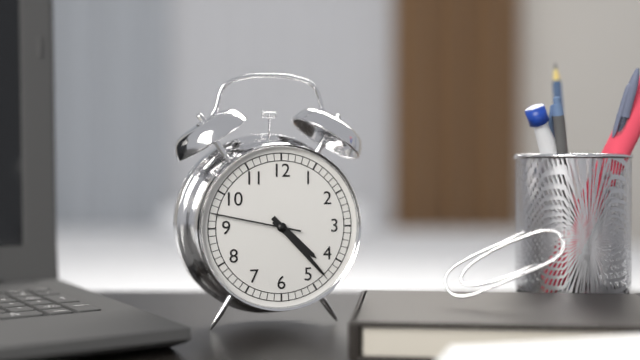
**4:23:47**
